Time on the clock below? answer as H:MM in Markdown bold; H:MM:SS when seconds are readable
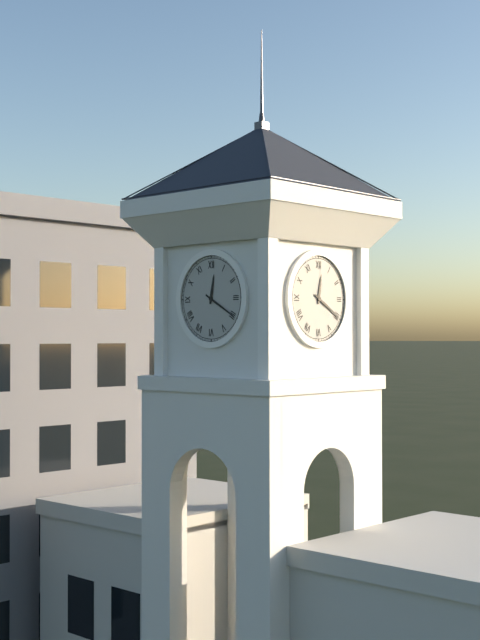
**12:20**
